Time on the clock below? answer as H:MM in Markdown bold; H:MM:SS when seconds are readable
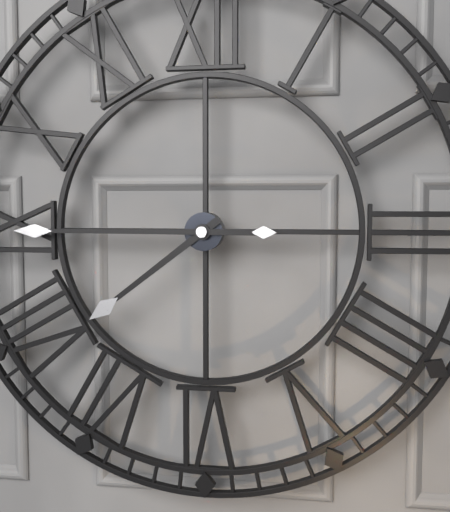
**7:45**
